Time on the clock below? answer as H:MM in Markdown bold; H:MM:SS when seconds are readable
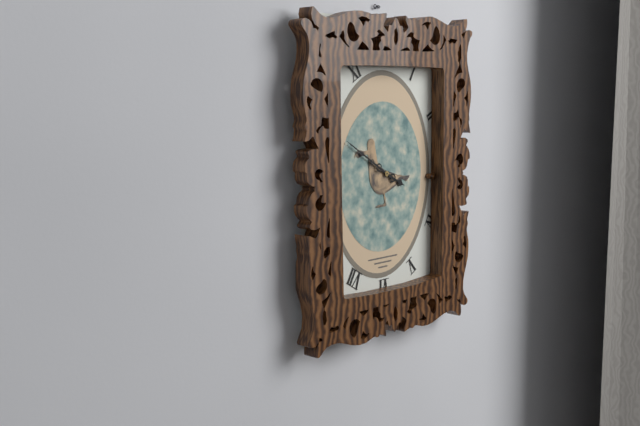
**3:50**
